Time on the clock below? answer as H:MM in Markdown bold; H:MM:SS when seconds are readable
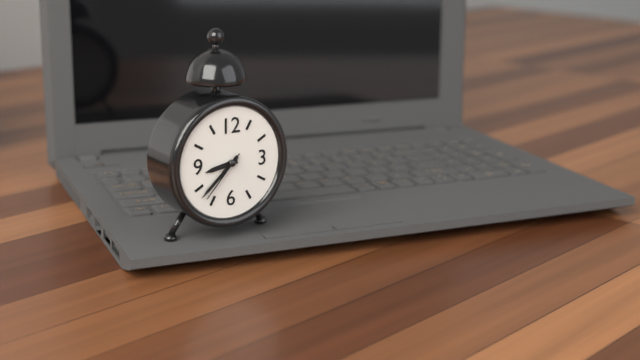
**8:38:37**
